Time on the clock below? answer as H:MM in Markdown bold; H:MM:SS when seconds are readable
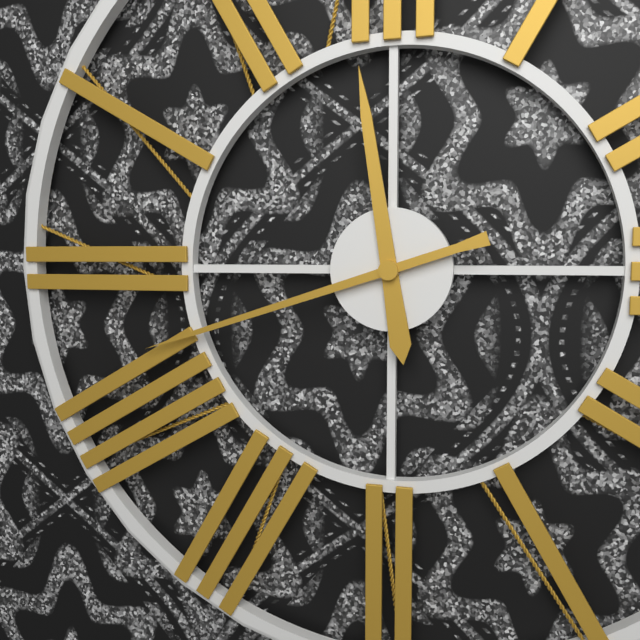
**11:42**
